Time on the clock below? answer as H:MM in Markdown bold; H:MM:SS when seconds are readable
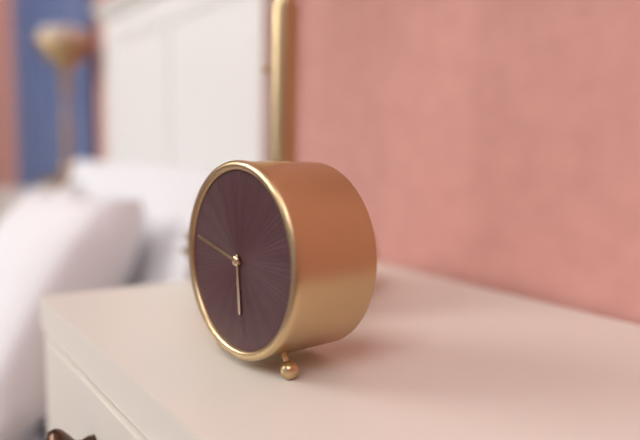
**5:47**
